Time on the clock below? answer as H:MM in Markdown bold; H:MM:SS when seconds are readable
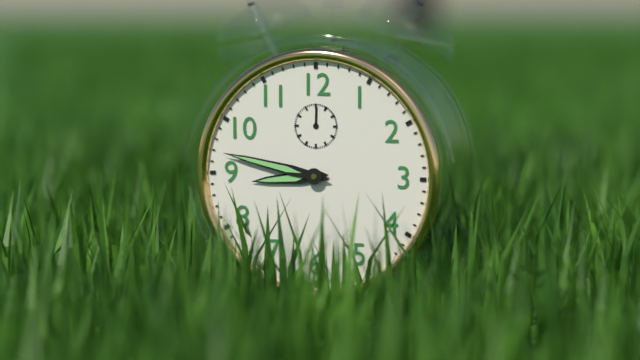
**8:47**
